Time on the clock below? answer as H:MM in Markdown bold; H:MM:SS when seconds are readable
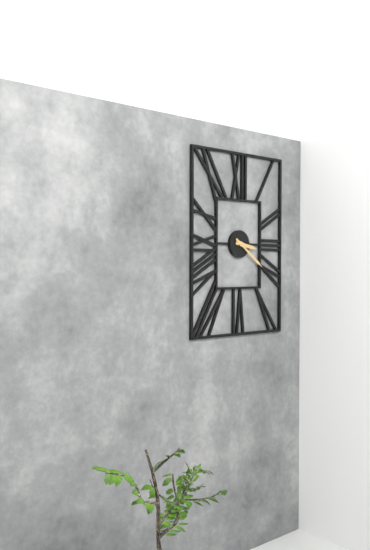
**3:21**
